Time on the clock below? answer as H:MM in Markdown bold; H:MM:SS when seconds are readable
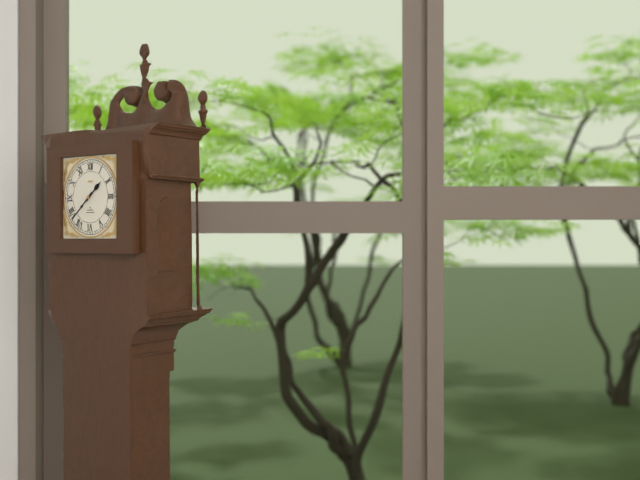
**1:38**
